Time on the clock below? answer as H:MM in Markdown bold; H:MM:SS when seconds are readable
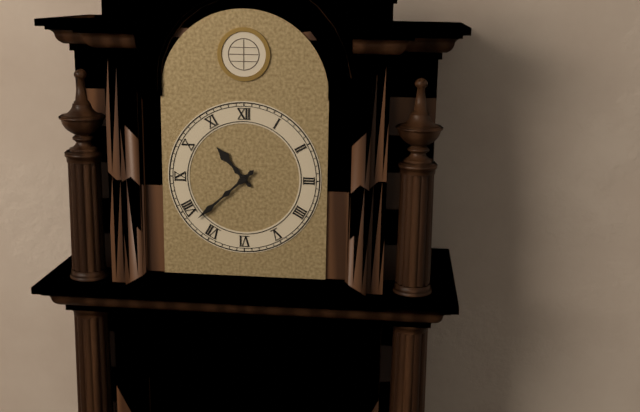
**10:38**
